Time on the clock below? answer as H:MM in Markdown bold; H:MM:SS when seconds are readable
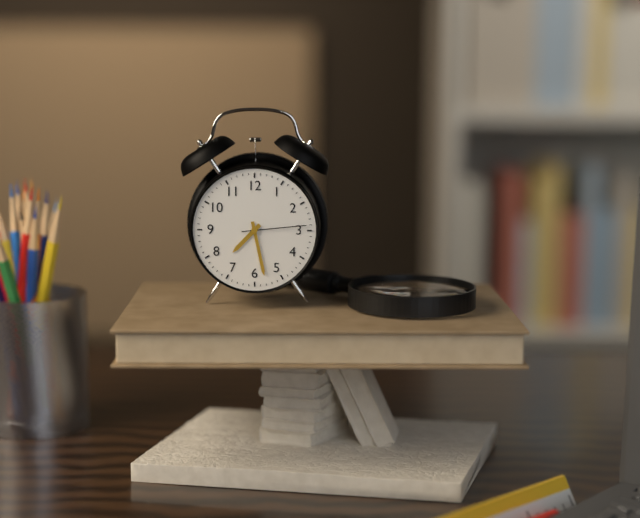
**7:28:14**
